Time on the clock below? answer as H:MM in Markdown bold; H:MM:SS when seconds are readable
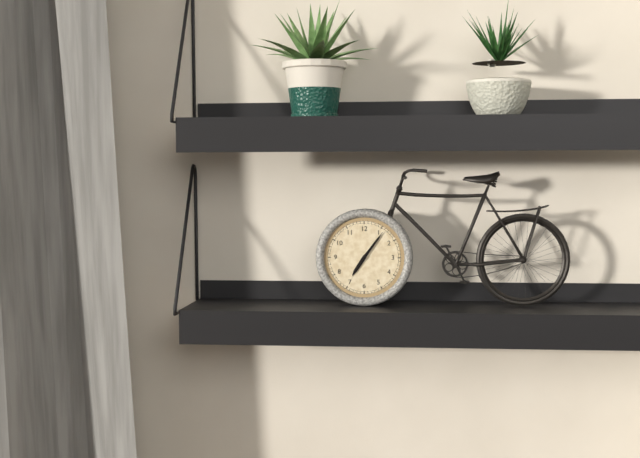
**7:06**
